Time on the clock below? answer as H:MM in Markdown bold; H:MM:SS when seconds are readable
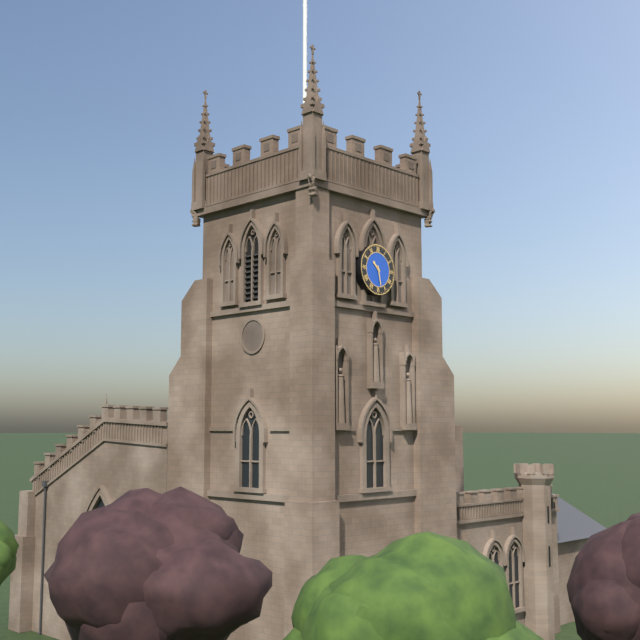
**10:28**
